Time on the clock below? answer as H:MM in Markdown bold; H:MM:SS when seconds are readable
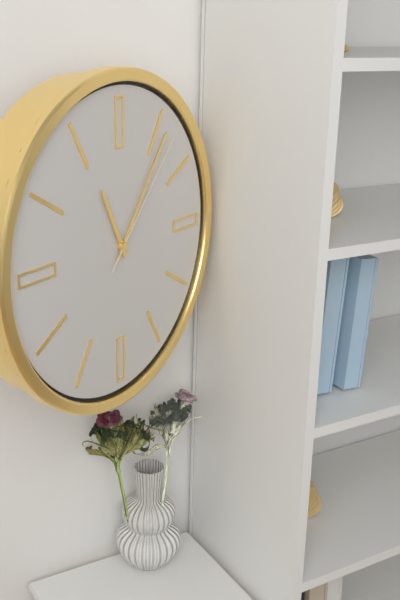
**11:06:07**
